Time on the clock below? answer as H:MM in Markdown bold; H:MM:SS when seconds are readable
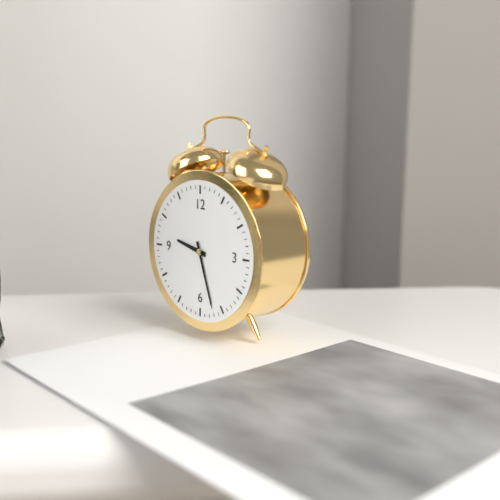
**9:27**
